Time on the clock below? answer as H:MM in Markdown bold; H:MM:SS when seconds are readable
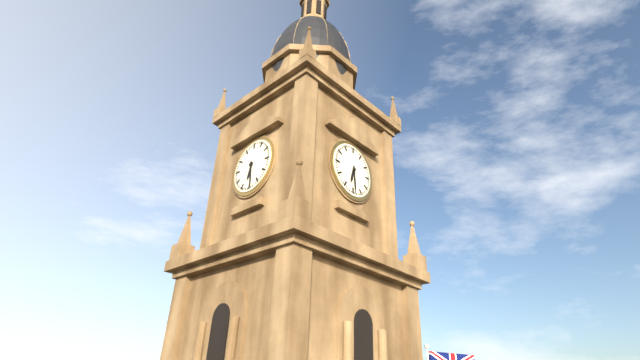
**6:29**
